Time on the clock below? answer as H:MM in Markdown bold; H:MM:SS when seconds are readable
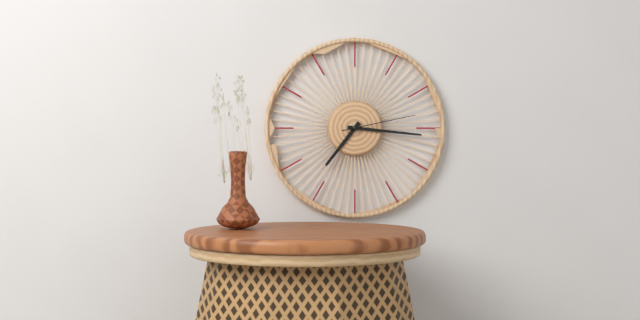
**7:16:13**
